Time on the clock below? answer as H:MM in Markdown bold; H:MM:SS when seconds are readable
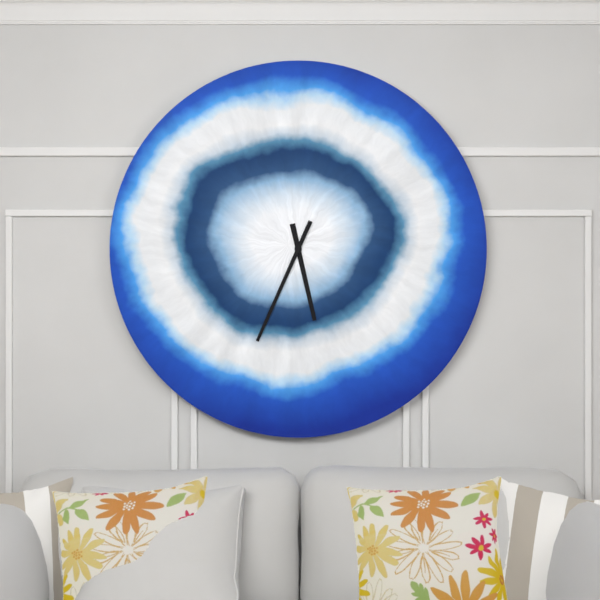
**5:34**
